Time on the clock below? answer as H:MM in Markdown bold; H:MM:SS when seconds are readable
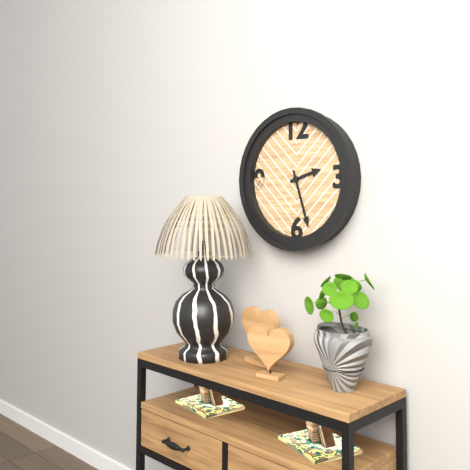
**2:27**
